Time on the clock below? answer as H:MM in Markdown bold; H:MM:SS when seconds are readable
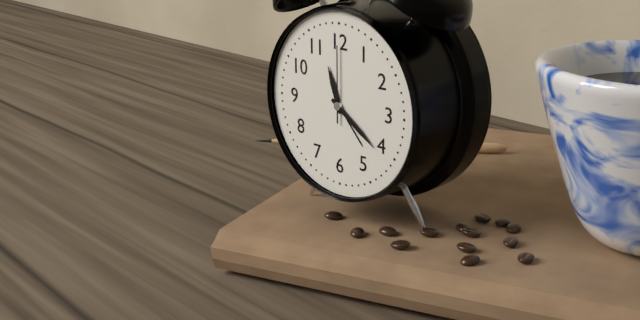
**11:21:00**
